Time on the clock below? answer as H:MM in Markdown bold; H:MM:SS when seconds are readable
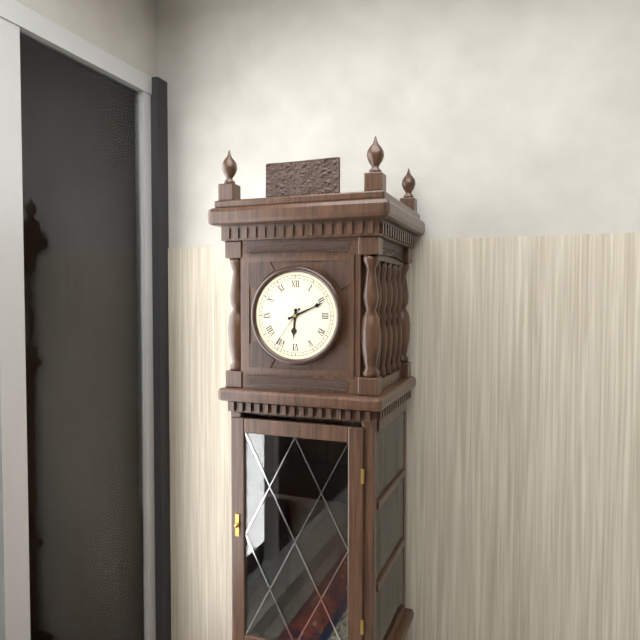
**6:11**
